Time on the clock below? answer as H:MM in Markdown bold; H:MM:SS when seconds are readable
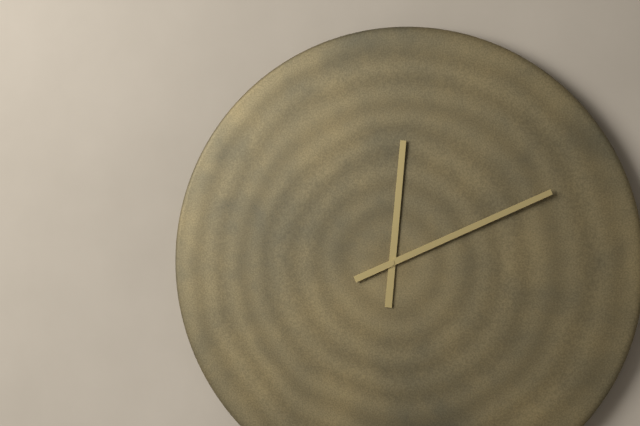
**12:11**
